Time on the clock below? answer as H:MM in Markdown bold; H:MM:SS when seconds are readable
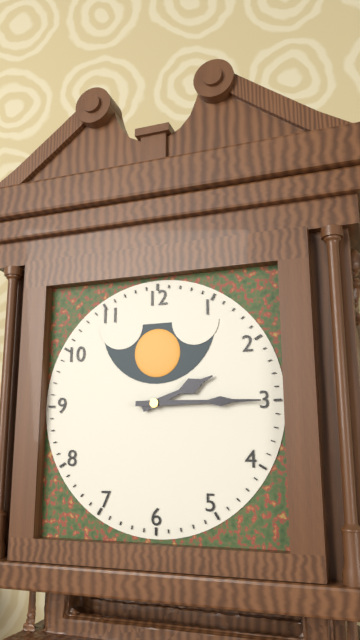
**2:15**
